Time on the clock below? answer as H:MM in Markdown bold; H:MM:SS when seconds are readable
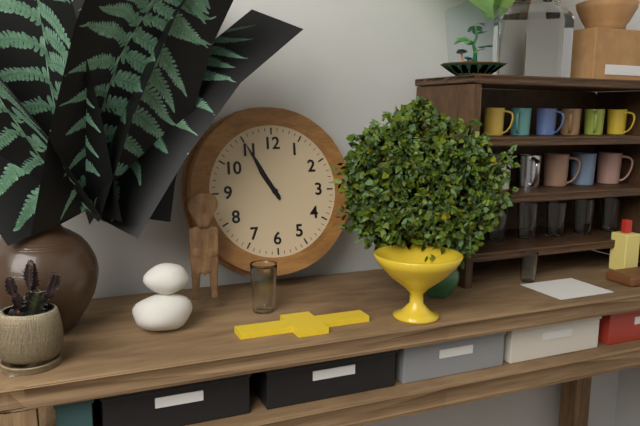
**10:55**
